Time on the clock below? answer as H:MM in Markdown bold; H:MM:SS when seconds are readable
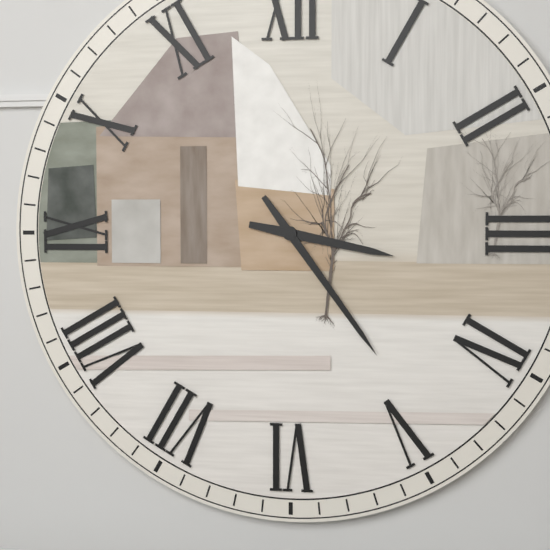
**3:24**
